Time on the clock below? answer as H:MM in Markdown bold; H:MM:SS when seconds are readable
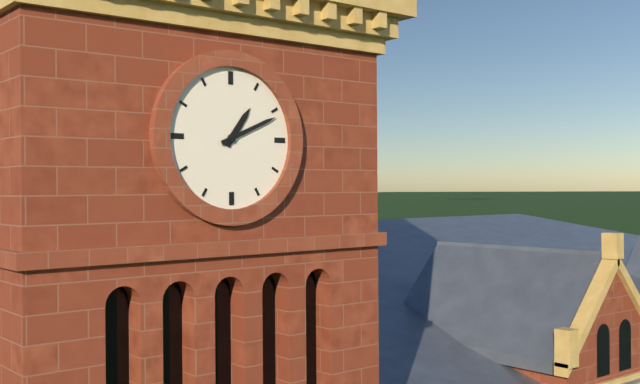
**1:11**
